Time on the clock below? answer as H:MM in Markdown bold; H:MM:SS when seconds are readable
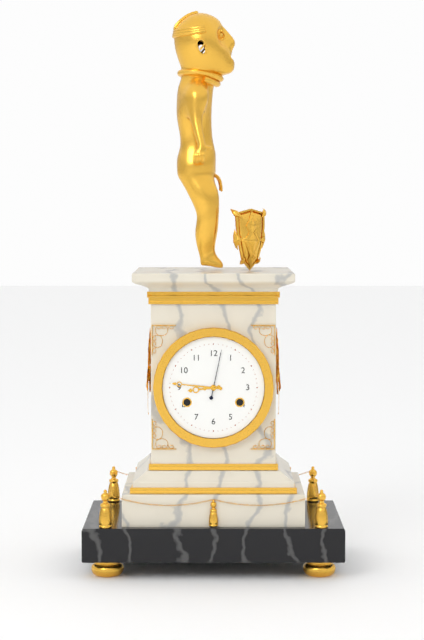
**8:46**
